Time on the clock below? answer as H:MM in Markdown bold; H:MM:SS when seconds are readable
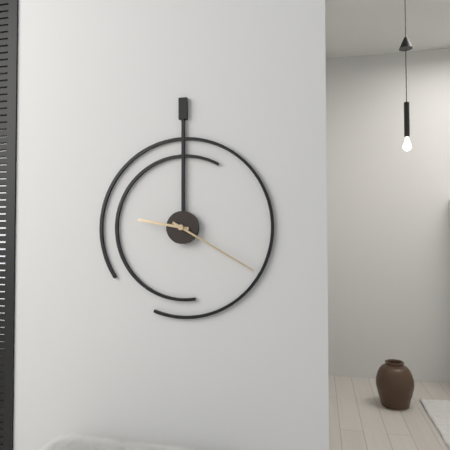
**9:20**
